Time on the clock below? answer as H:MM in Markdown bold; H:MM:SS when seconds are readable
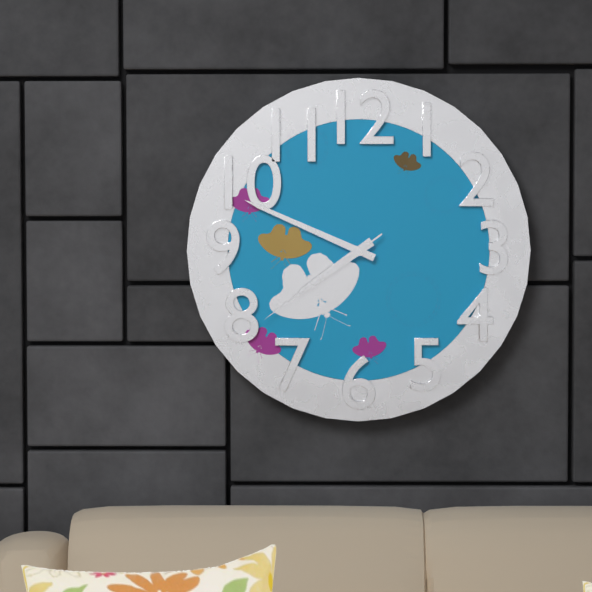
**7:49:39**
